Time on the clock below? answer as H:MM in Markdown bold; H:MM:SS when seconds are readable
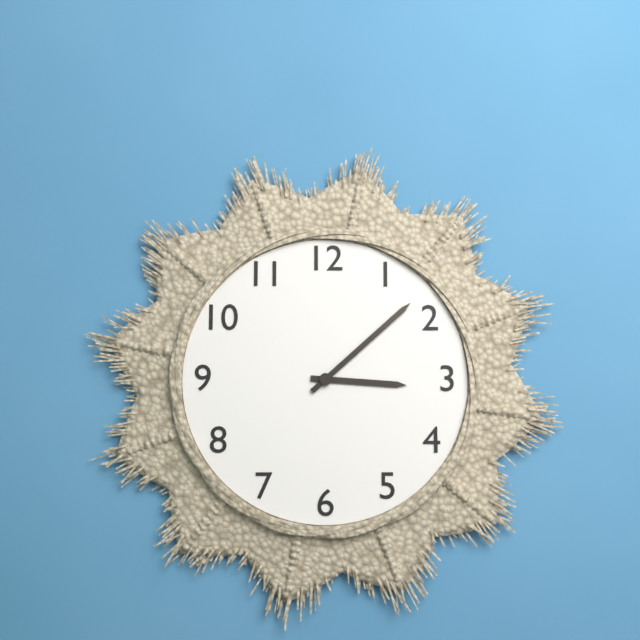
**3:08**
